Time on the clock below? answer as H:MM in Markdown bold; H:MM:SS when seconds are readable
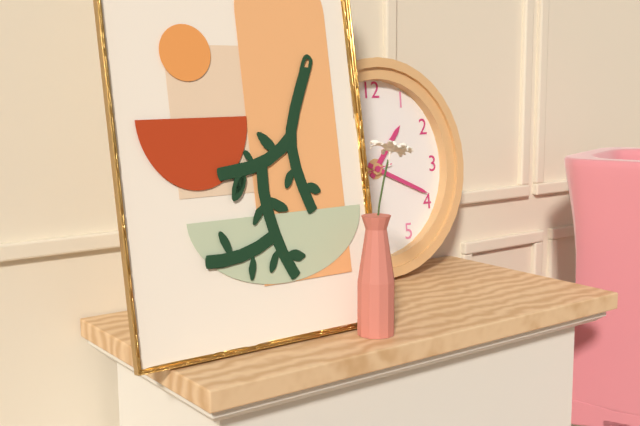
**1:19**
